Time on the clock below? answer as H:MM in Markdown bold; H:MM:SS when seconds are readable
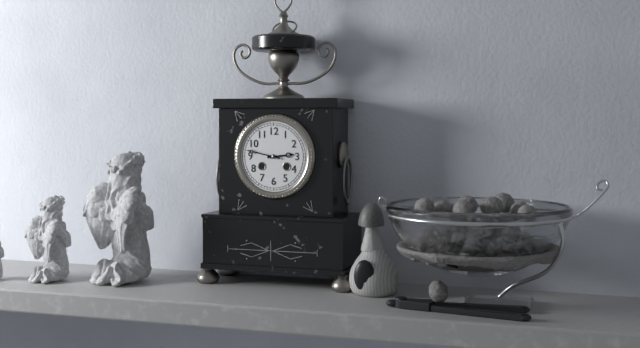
**2:47**
